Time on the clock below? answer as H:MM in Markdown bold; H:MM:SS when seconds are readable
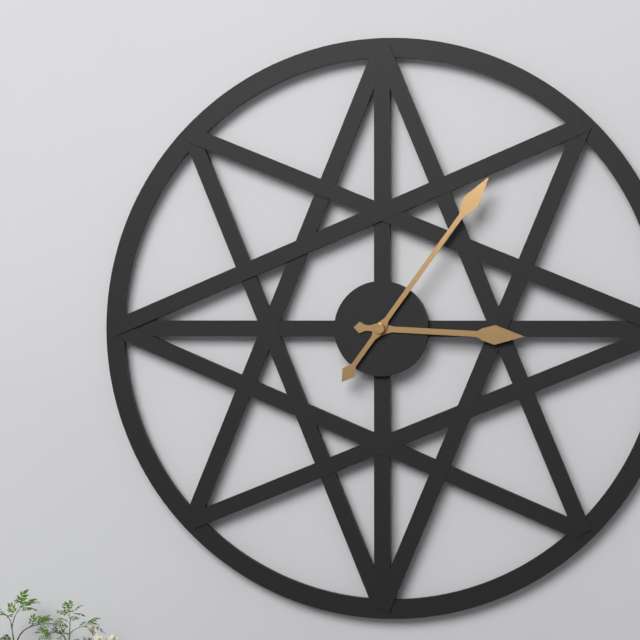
**3:06**
